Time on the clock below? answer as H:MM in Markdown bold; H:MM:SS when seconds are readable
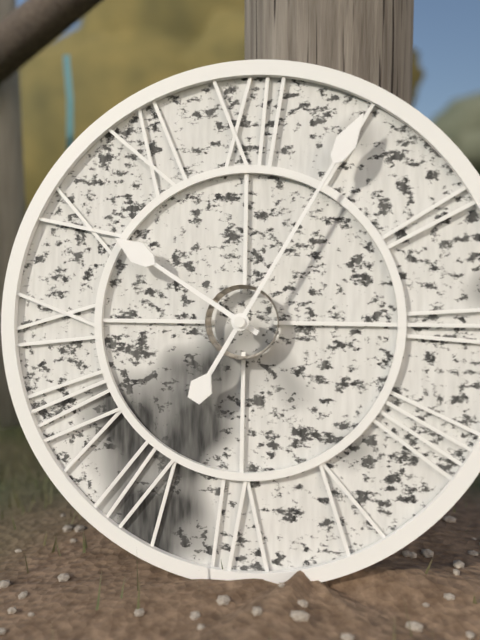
**10:05**
